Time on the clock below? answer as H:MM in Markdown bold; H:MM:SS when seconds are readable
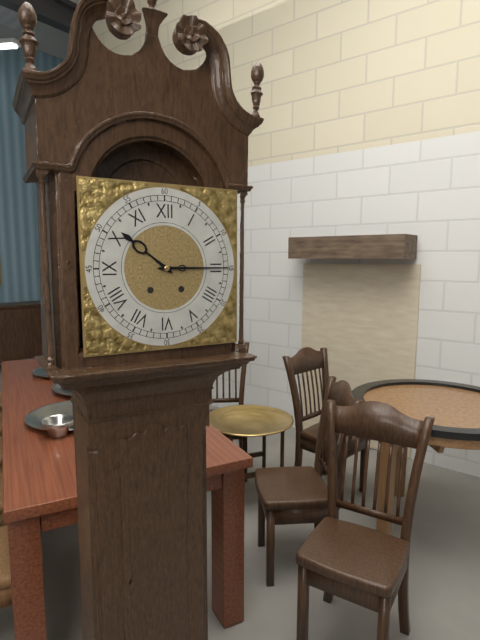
**10:15**
